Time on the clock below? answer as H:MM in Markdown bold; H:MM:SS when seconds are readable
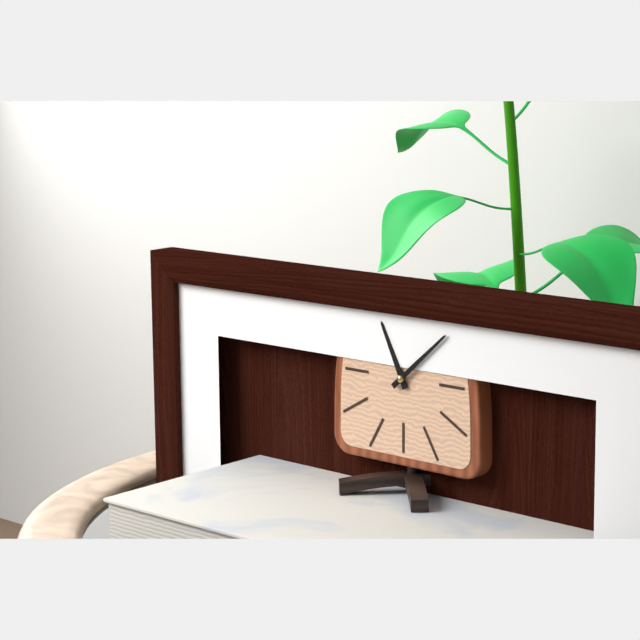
**11:08**
